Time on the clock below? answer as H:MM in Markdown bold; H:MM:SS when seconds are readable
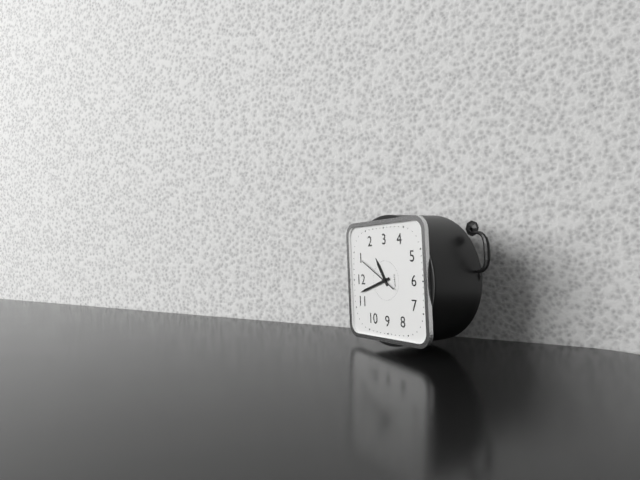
**1:57**
